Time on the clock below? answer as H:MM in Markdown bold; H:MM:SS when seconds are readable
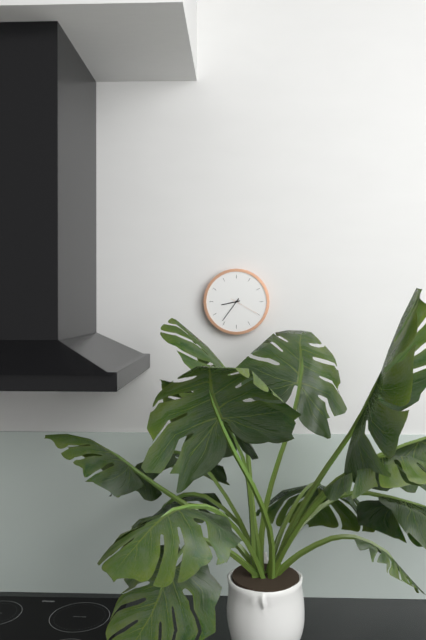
**8:36**
